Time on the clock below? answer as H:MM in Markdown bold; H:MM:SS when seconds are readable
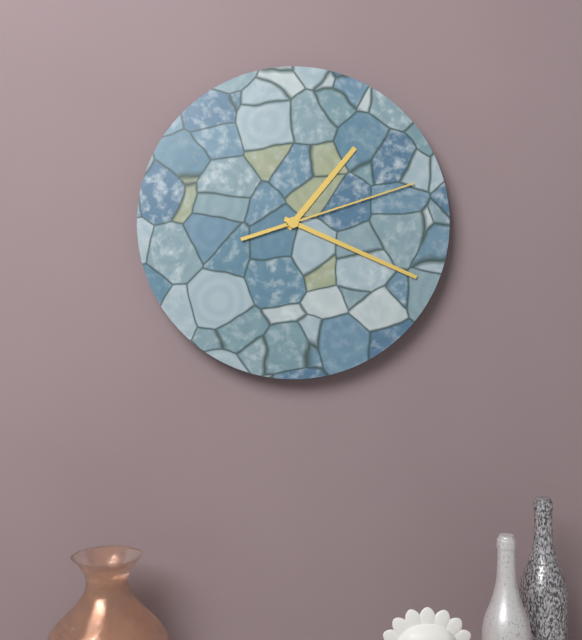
**1:19:12**
